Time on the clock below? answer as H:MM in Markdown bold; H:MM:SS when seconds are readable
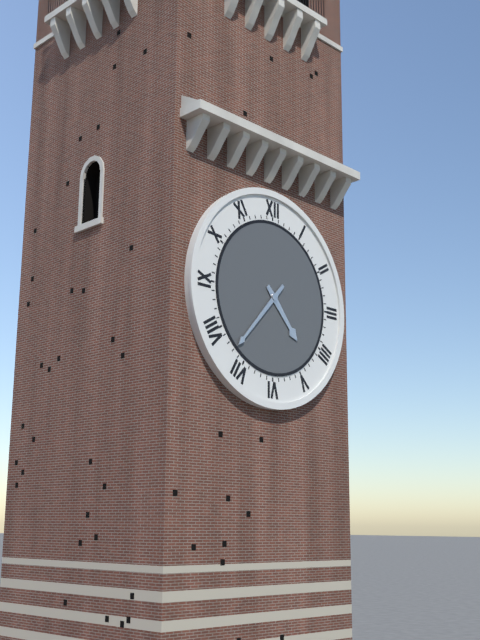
**4:37**
